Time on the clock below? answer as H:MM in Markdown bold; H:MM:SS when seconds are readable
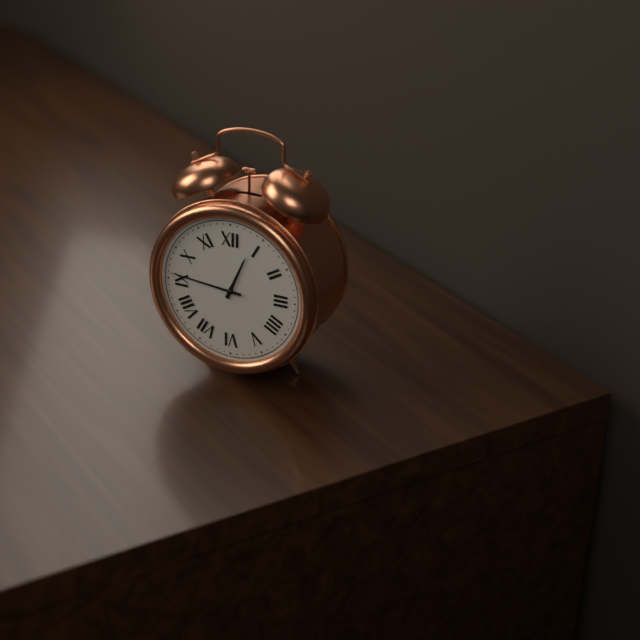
**12:46**
